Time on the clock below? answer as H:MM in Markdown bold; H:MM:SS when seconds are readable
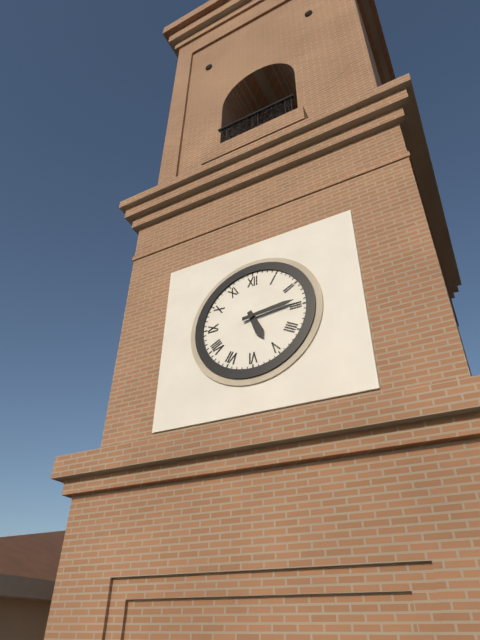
**5:14**
